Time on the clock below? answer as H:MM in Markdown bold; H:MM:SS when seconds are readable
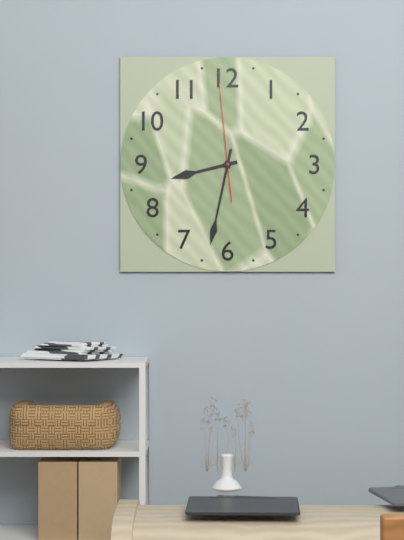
**8:32:59**
